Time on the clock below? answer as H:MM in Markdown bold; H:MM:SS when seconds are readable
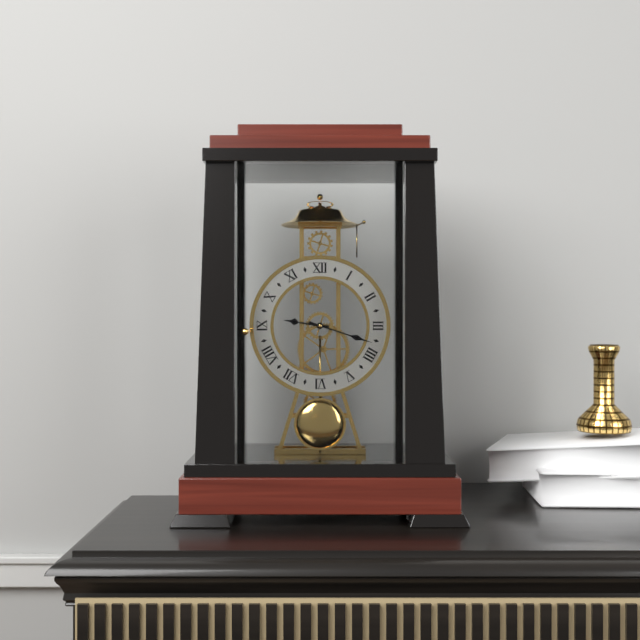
**9:18**
